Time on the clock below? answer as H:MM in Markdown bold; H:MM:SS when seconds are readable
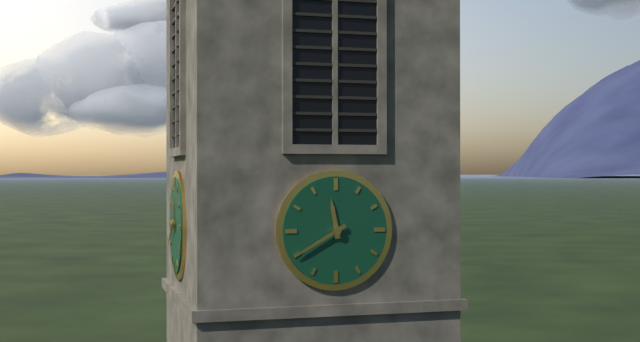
**11:40**
